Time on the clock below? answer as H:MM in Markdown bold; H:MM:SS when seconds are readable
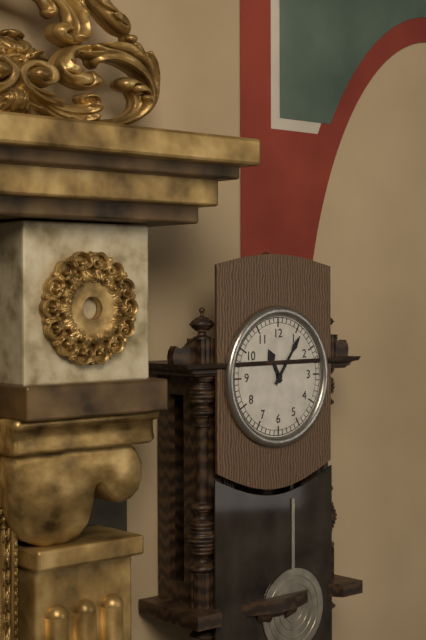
**11:06**
